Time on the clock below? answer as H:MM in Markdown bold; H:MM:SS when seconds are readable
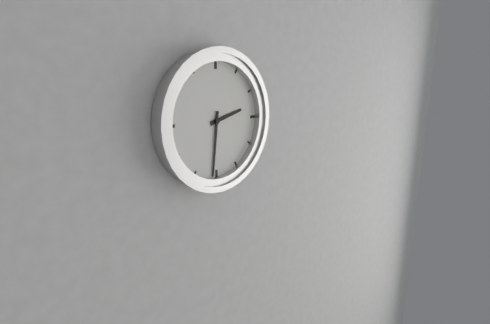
**2:31**
